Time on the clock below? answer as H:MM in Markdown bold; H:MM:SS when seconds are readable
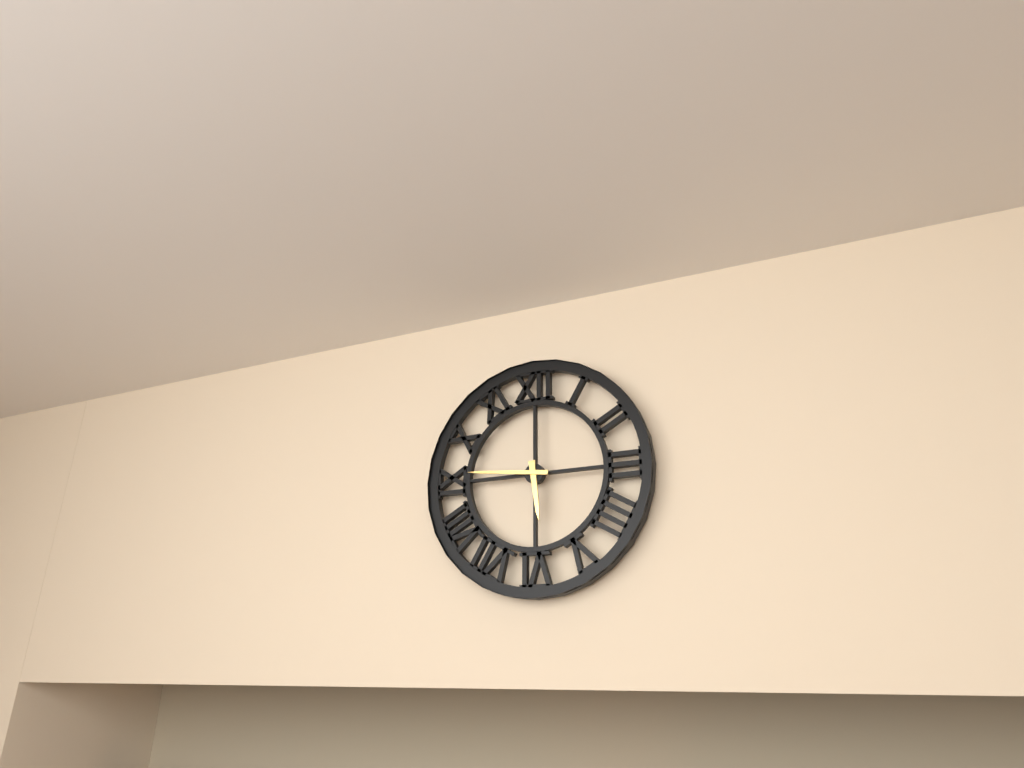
**5:46**
